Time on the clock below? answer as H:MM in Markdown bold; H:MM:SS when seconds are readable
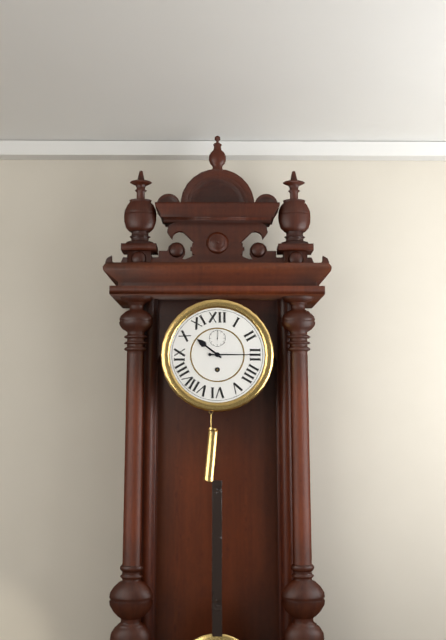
**10:15**
